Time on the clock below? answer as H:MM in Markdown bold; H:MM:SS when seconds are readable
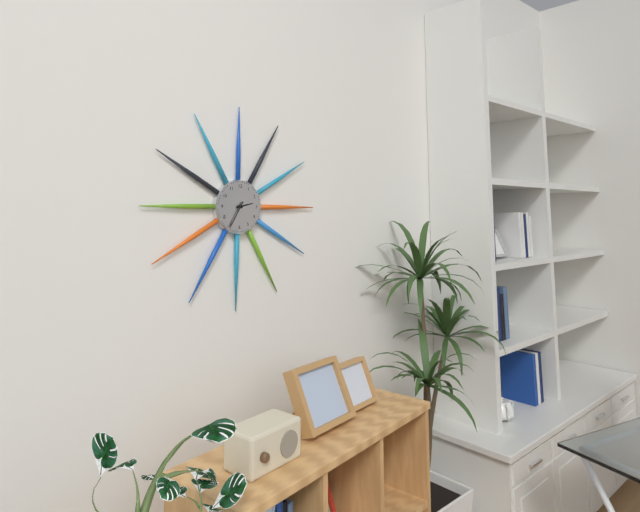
**2:35**
